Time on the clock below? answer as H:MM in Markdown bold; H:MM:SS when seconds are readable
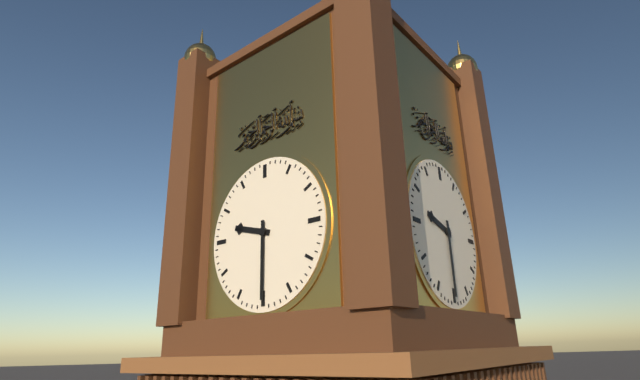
**9:30**
